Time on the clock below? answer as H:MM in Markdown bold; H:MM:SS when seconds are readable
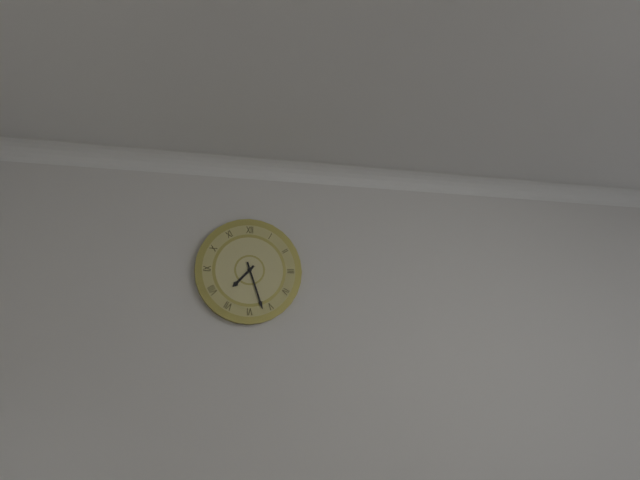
**7:27**
